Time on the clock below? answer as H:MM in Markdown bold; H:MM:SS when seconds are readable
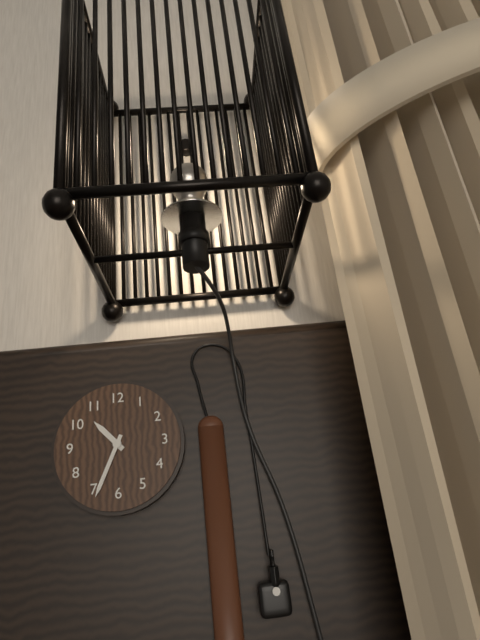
**10:34**
